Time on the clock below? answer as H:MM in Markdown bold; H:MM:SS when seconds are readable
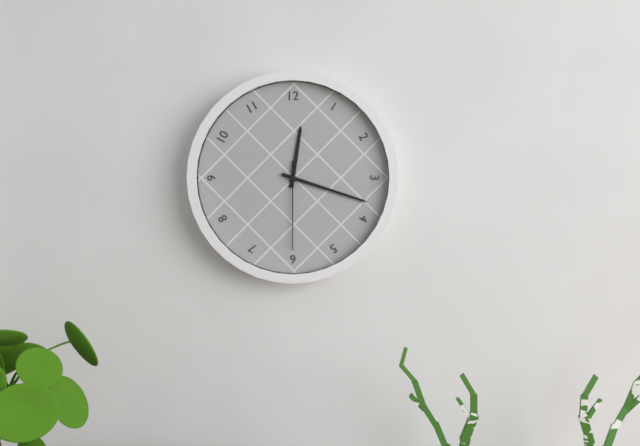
**12:18:30**
